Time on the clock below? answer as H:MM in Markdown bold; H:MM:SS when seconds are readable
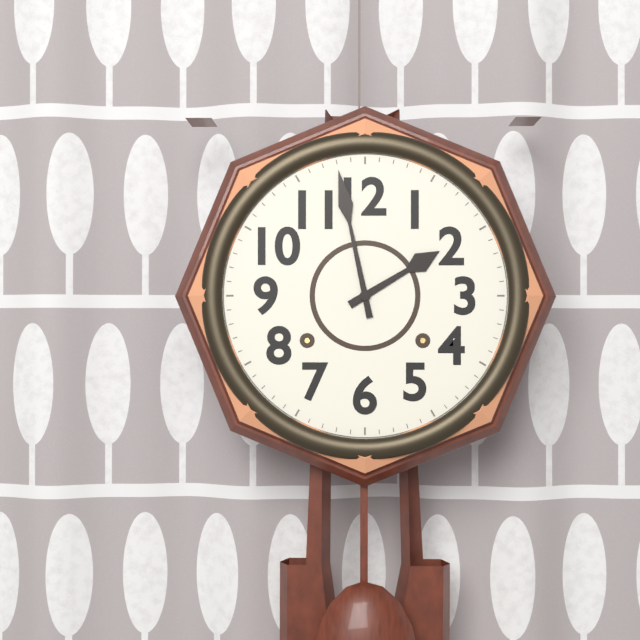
**1:58**
